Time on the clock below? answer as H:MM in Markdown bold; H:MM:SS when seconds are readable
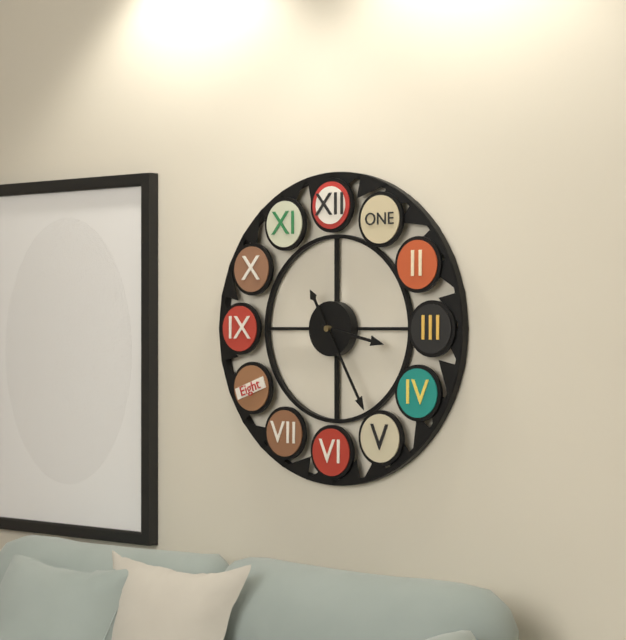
**3:25**
